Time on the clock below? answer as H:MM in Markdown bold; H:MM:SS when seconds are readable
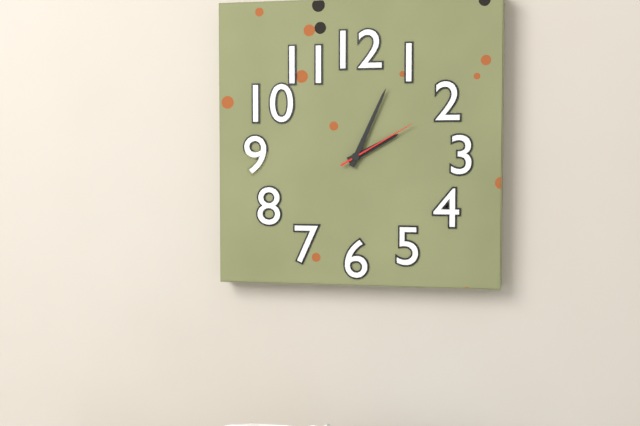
**2:04:10**
